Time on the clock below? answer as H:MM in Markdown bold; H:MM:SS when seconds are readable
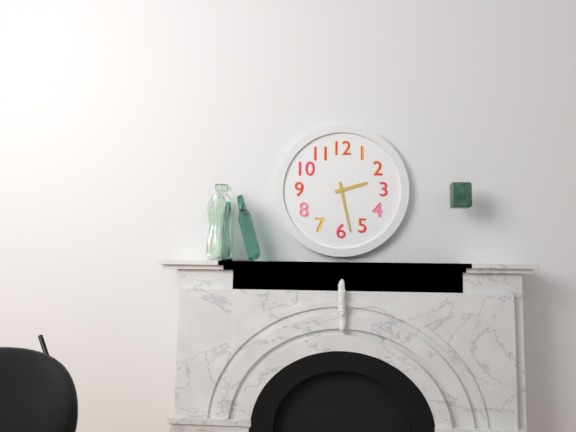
**2:28**
